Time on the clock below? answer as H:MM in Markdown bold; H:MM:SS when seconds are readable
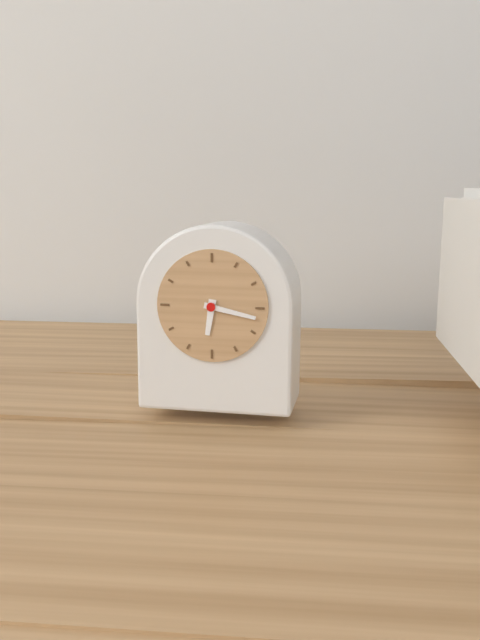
**6:17**
